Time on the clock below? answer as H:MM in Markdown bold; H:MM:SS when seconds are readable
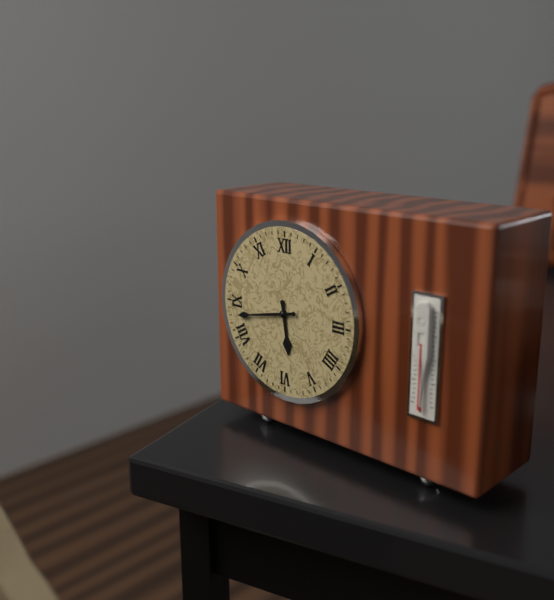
**5:43**
